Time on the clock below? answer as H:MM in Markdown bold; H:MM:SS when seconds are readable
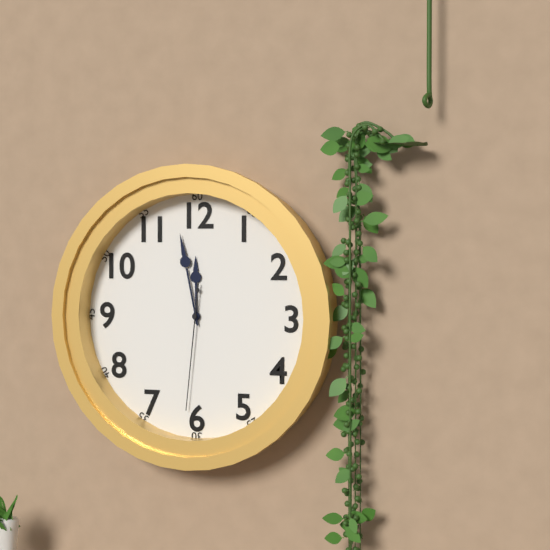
**11:58:31**
